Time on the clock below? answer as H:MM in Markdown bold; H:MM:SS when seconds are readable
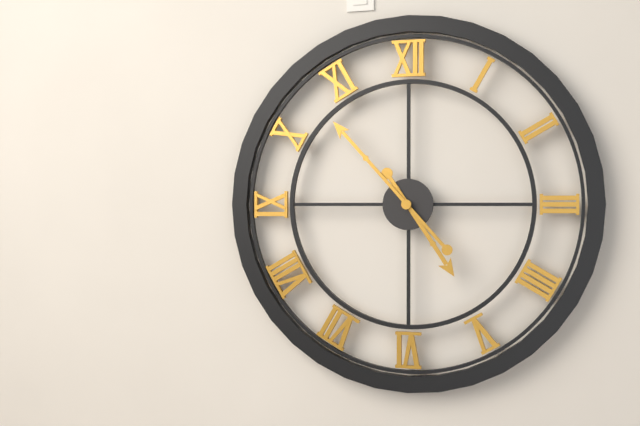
**4:53**
